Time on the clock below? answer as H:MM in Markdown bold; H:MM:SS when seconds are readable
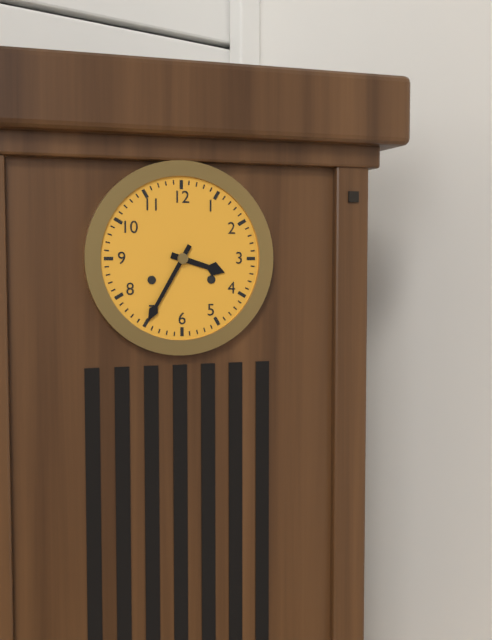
**3:35**
